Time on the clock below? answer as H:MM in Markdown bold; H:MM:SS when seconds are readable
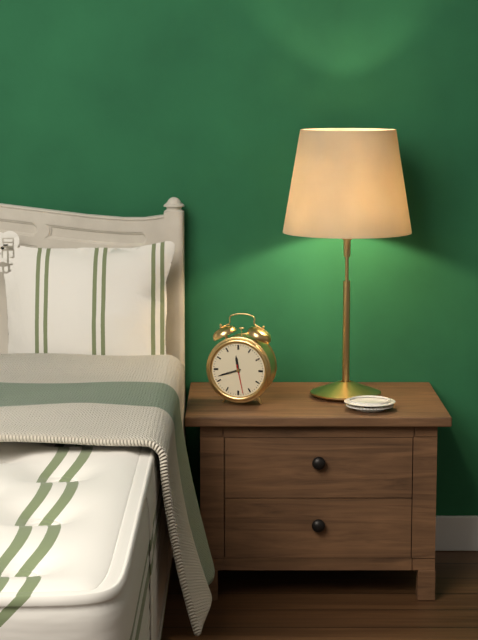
**11:42**
